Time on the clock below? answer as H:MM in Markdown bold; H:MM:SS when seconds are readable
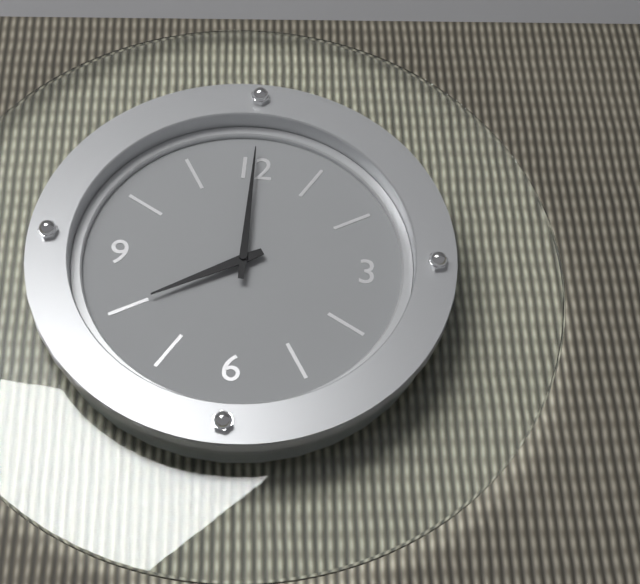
**8:00**
